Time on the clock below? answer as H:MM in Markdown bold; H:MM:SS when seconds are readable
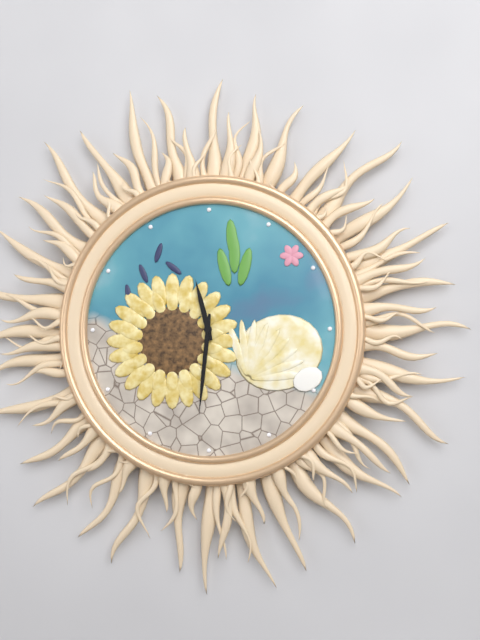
**11:31**
